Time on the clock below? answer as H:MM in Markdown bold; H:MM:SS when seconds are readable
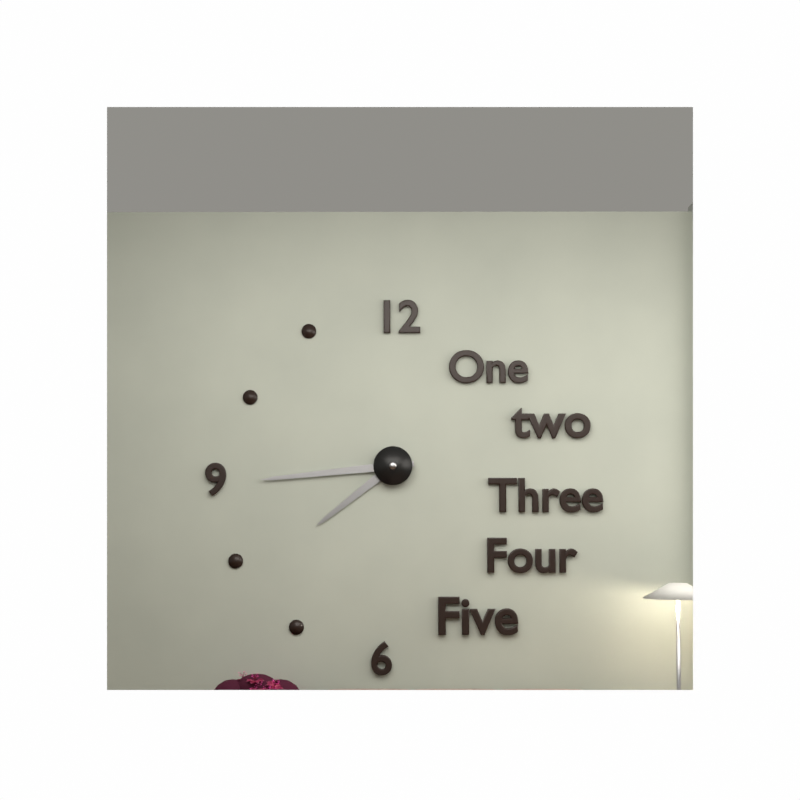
**7:44**
